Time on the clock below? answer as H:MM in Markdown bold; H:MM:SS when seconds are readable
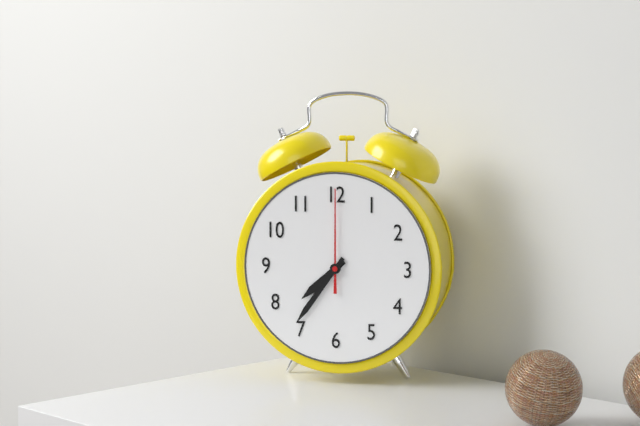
**7:36:00**
